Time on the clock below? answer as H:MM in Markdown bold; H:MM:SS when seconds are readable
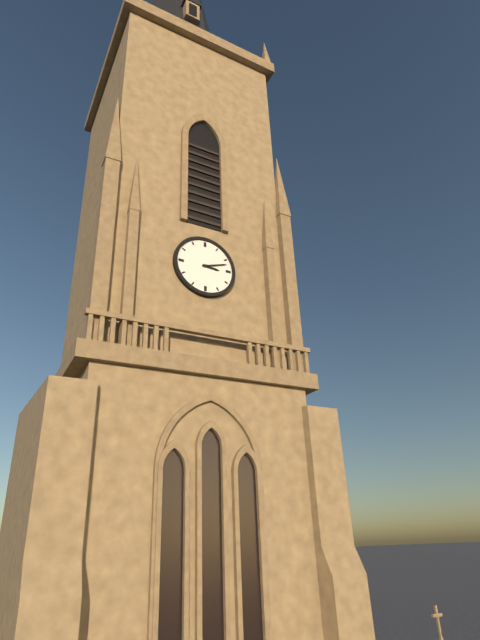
**3:12**
